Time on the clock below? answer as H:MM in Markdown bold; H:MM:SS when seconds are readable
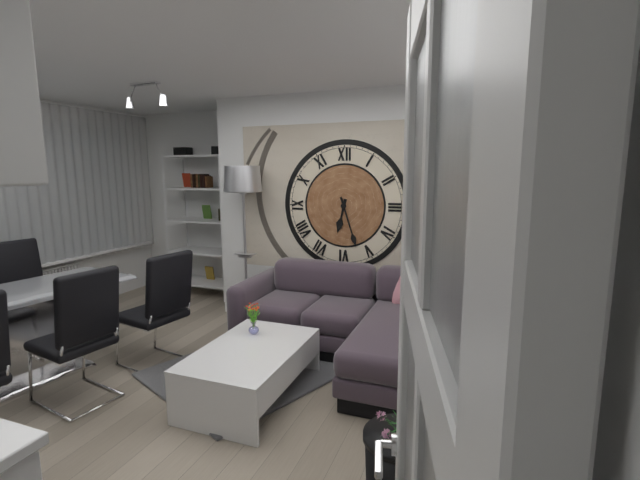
**6:27**
